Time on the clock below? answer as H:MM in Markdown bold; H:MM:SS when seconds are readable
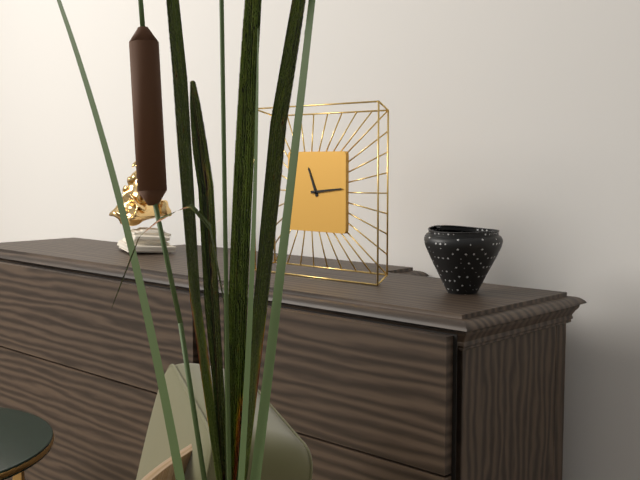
**11:14**
